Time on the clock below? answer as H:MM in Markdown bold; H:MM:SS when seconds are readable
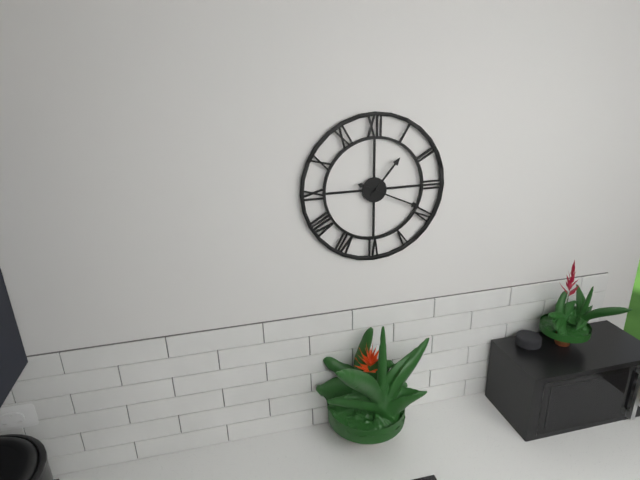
**1:19**
